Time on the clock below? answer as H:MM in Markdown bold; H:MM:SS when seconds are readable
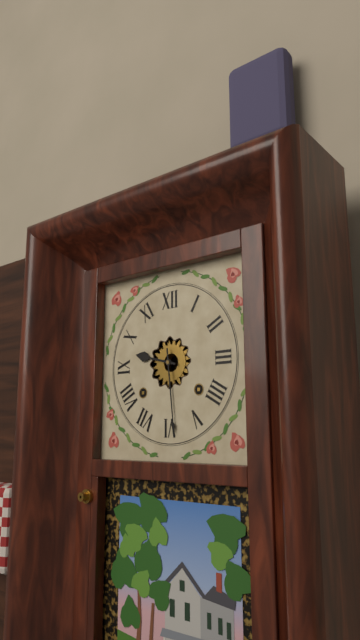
**9:29**
